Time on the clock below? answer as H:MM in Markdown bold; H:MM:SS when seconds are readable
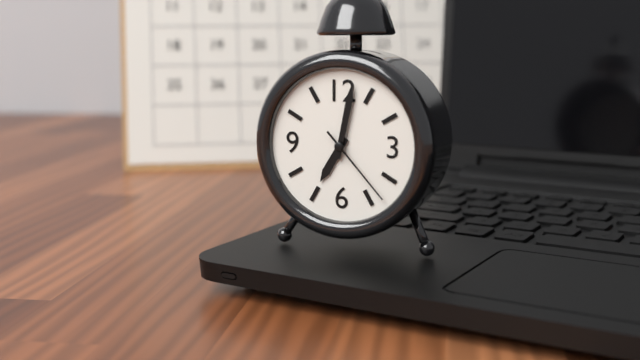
**7:02:23**
